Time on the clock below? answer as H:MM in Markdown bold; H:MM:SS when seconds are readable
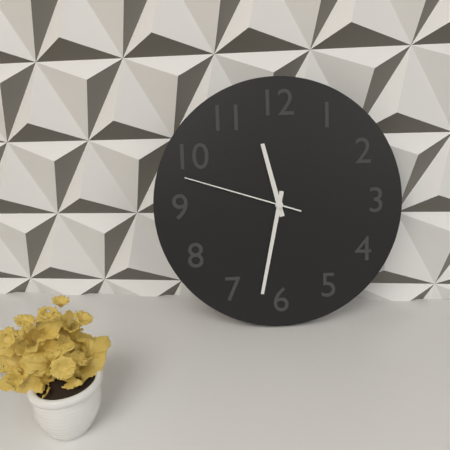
**11:32:48**
